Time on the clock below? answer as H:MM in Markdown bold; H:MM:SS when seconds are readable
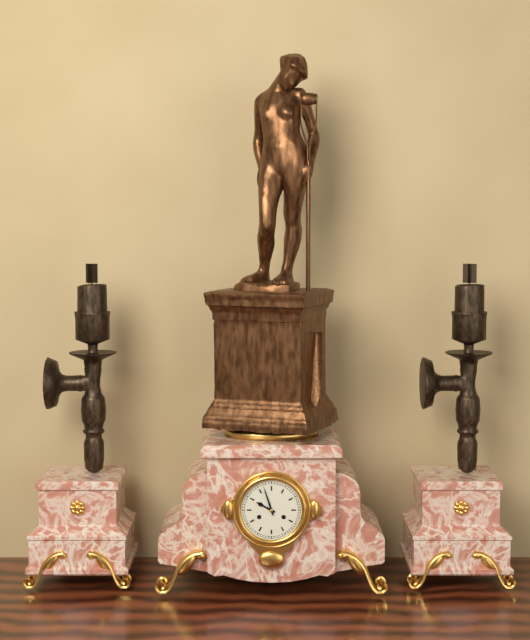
**9:57**
